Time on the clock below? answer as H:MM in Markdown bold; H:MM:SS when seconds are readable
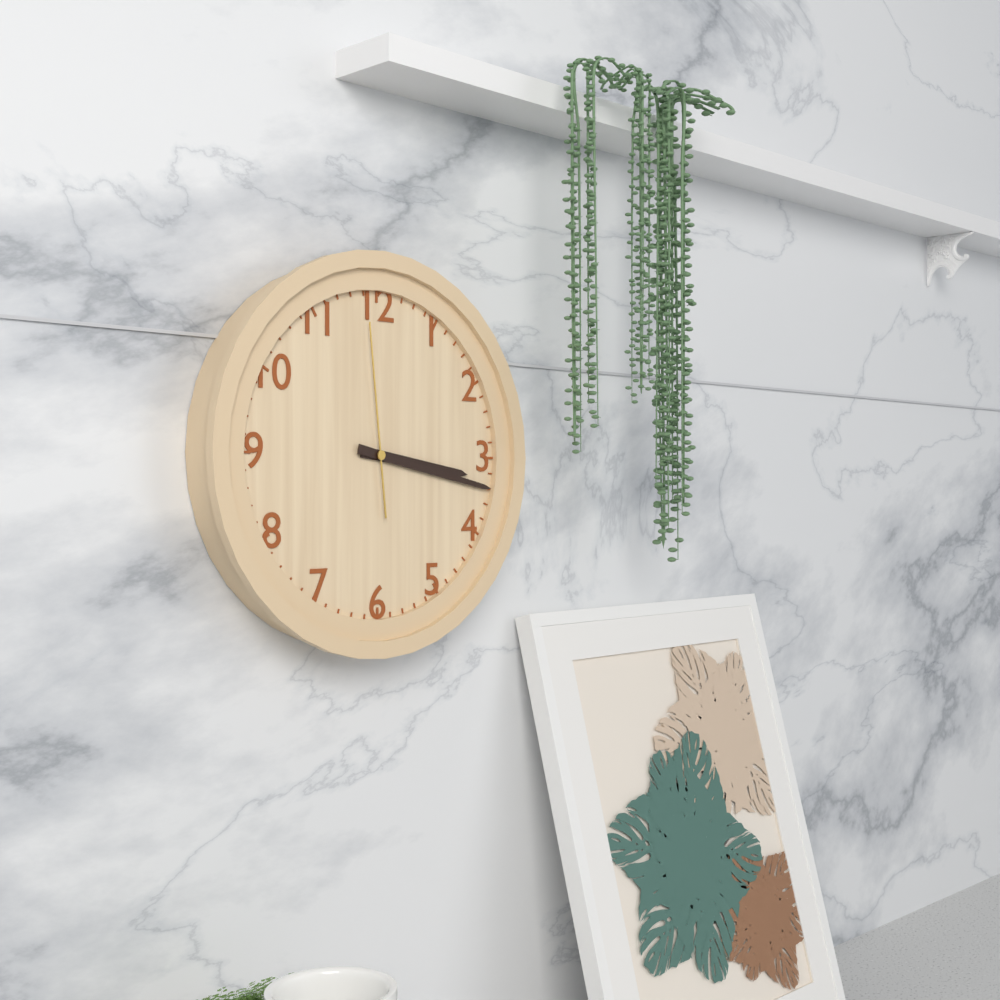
**3:17:59**
